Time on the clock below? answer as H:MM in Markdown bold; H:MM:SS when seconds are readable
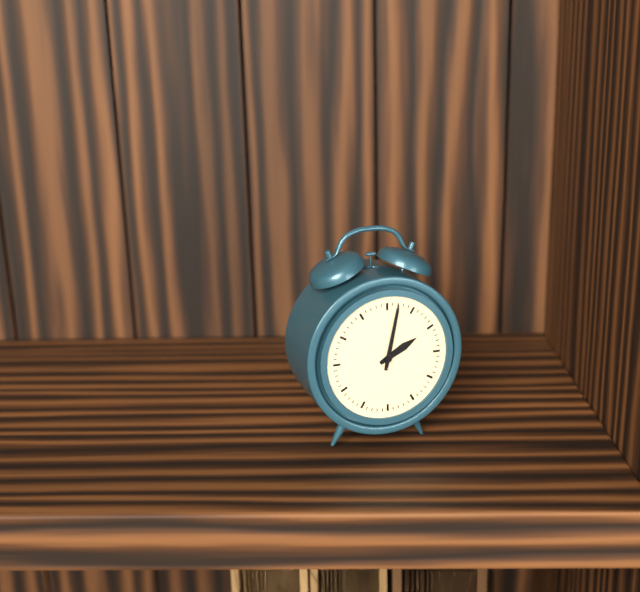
**2:02**
